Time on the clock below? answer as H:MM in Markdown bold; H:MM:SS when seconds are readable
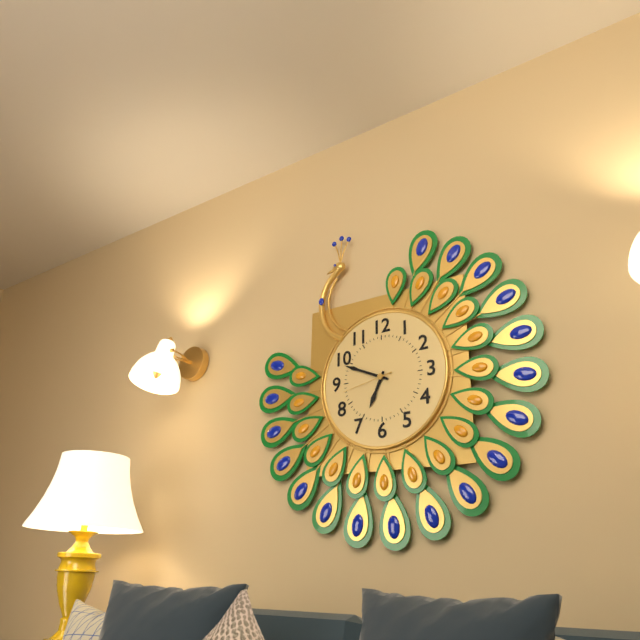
**6:49:43**
